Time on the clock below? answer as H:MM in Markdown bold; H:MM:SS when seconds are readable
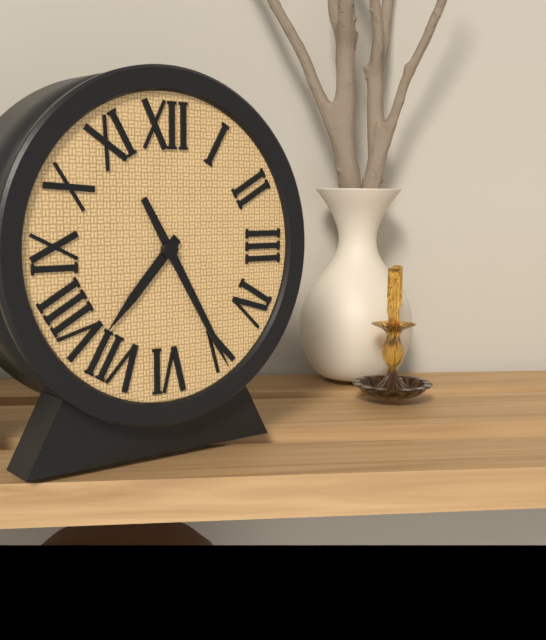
**7:25**
